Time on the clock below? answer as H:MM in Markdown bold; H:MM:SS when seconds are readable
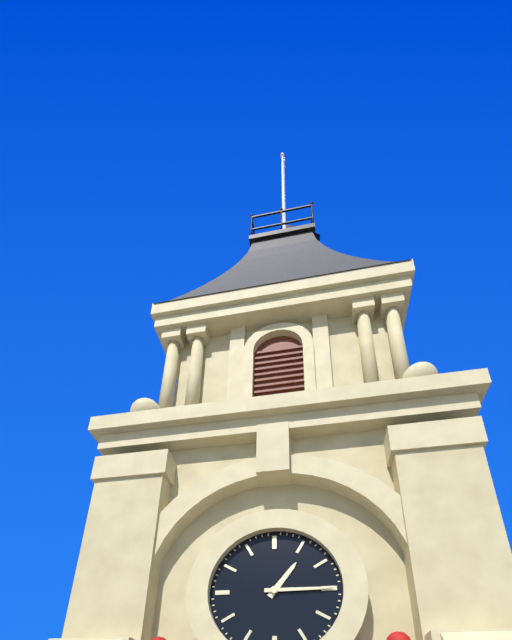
**1:15**
